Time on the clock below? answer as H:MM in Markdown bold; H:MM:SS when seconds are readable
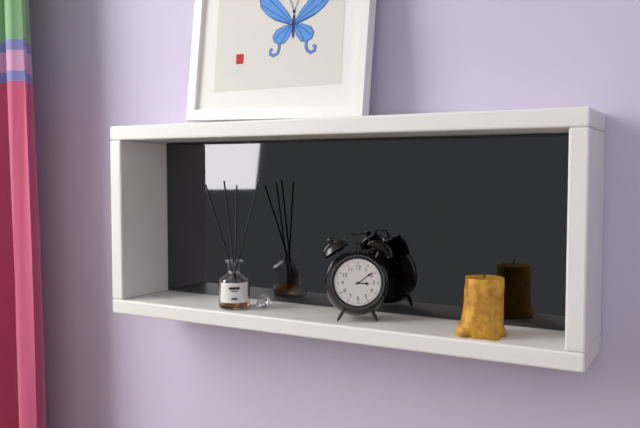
**3:09**
